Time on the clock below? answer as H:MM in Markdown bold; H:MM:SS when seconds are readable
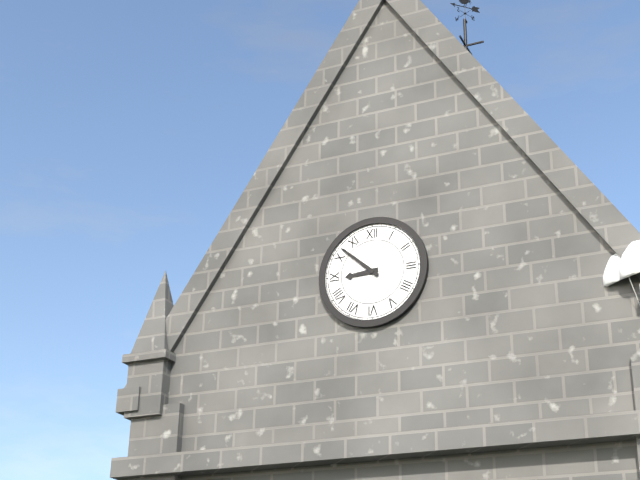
**8:52**
